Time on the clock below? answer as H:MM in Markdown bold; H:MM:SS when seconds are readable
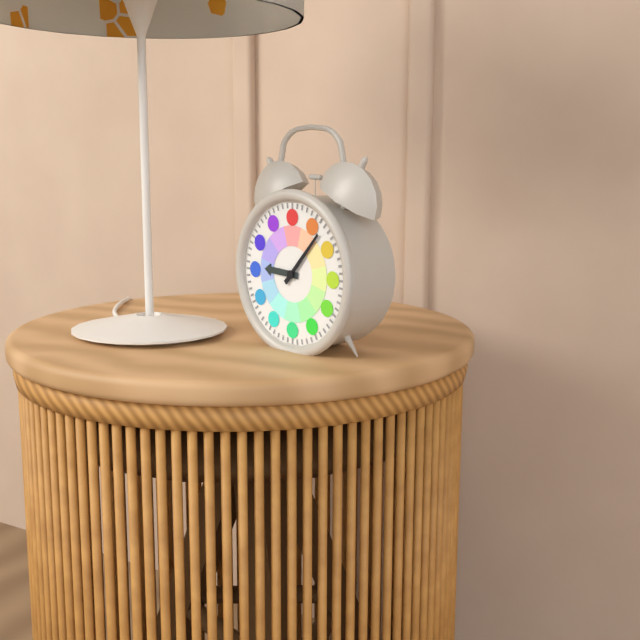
**9:07**
